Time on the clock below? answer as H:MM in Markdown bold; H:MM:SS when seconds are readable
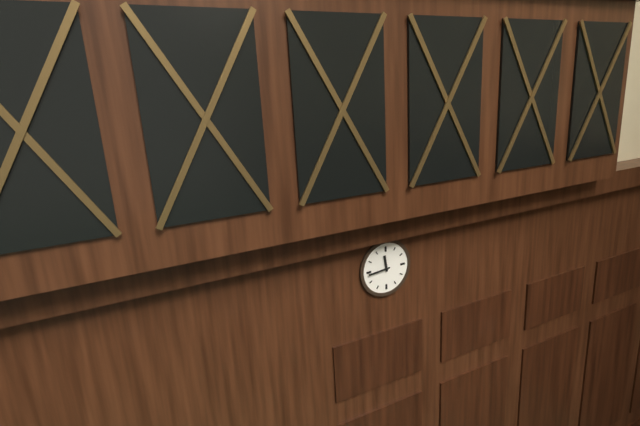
**11:44**
